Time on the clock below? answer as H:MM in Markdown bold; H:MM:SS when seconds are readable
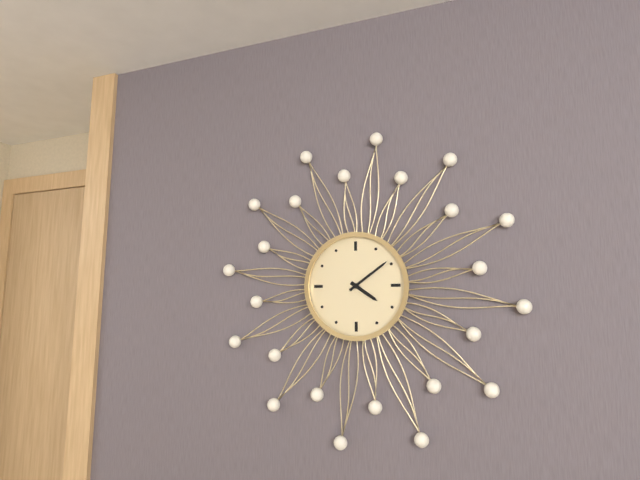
**4:09**
